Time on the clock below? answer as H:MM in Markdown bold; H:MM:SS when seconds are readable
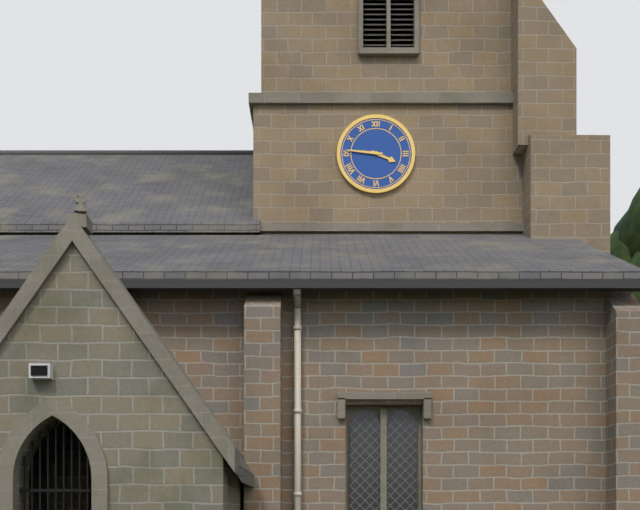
**3:46**
